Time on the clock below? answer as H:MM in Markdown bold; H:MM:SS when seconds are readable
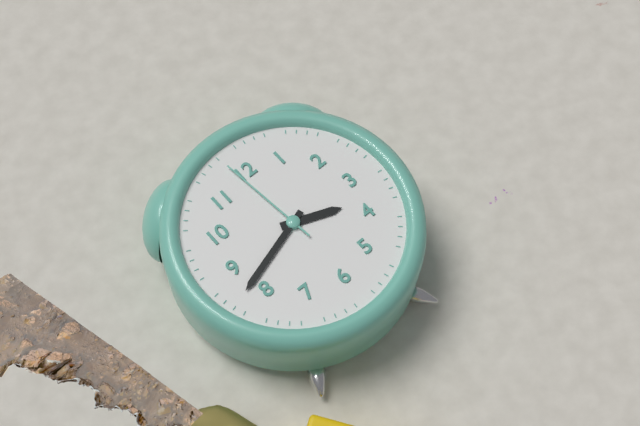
**3:42:59**
